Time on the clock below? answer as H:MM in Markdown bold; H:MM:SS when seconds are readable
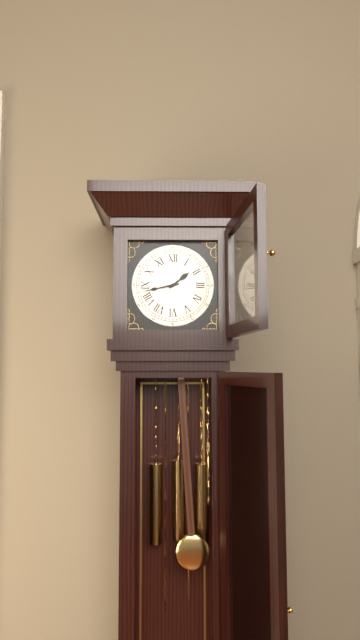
**1:43**
